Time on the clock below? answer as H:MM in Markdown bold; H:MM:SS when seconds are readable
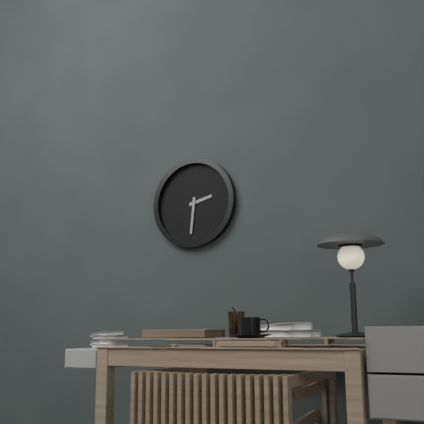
**2:31**
